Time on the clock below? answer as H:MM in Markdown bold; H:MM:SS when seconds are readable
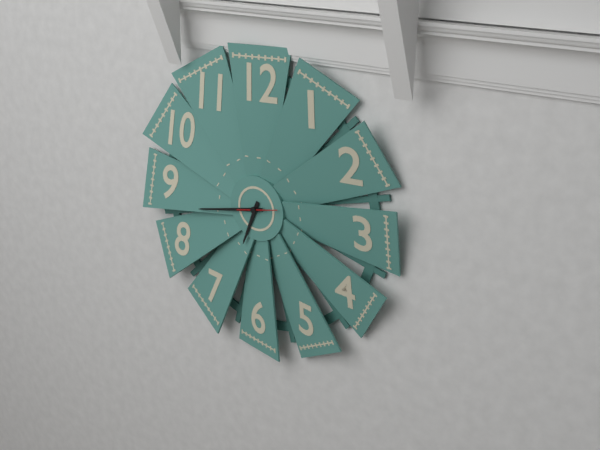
**6:43**
